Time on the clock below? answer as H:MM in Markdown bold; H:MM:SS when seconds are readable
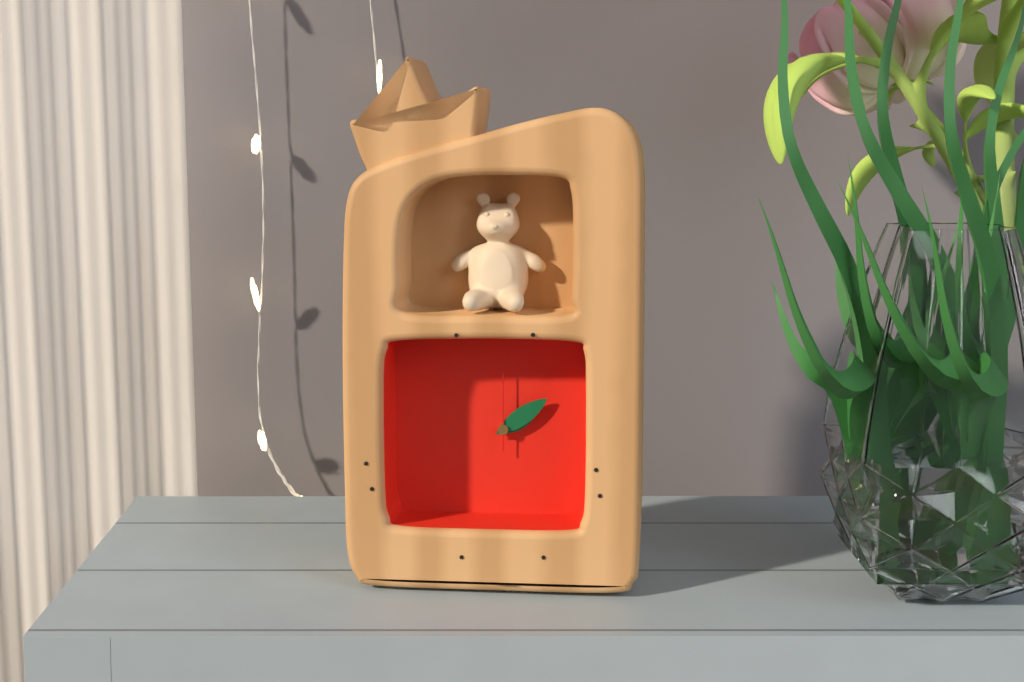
**2:09:00**
